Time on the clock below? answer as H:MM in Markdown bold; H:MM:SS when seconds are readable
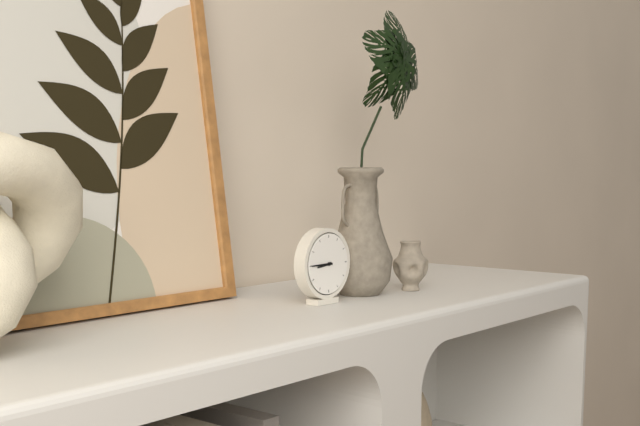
**8:45**
